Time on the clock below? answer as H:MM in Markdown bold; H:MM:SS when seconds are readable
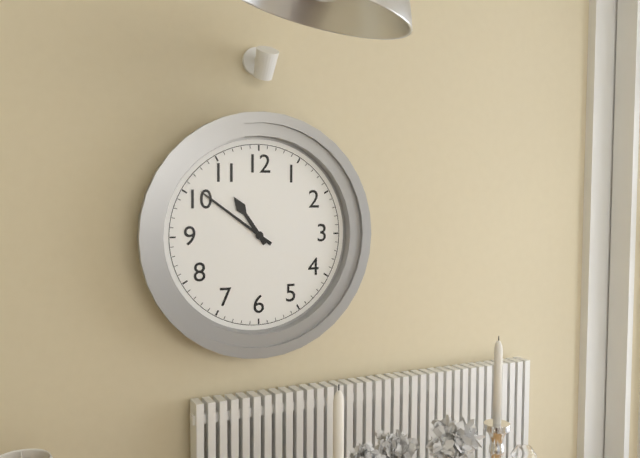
**10:51**
